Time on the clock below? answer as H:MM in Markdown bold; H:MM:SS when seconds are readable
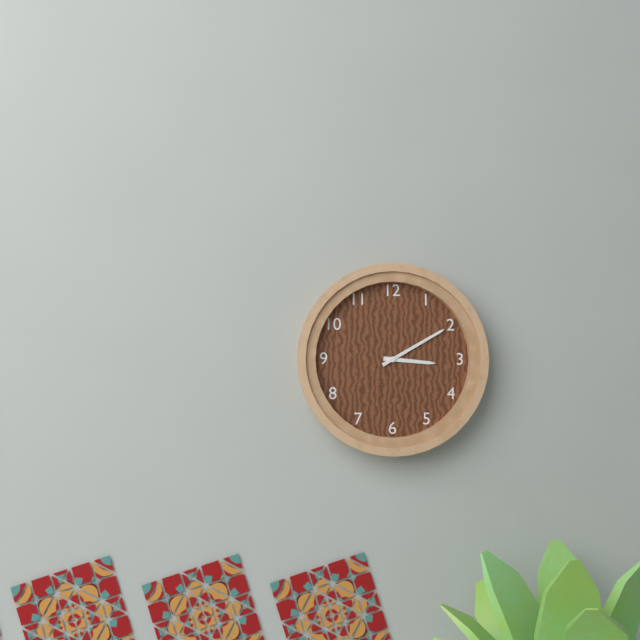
**3:10**
